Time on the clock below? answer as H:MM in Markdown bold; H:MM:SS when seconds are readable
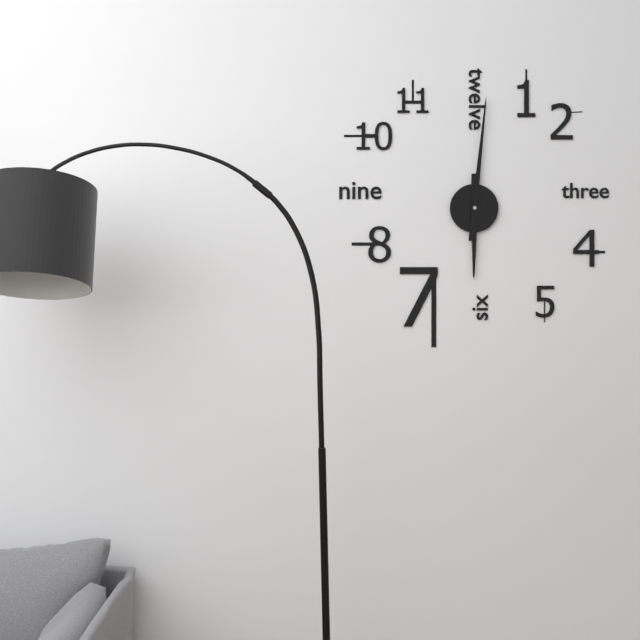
**6:01**
